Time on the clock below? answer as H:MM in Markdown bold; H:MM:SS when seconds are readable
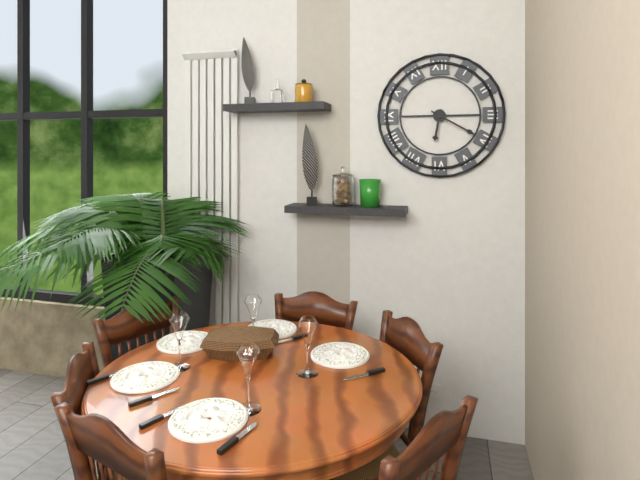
**6:20**
